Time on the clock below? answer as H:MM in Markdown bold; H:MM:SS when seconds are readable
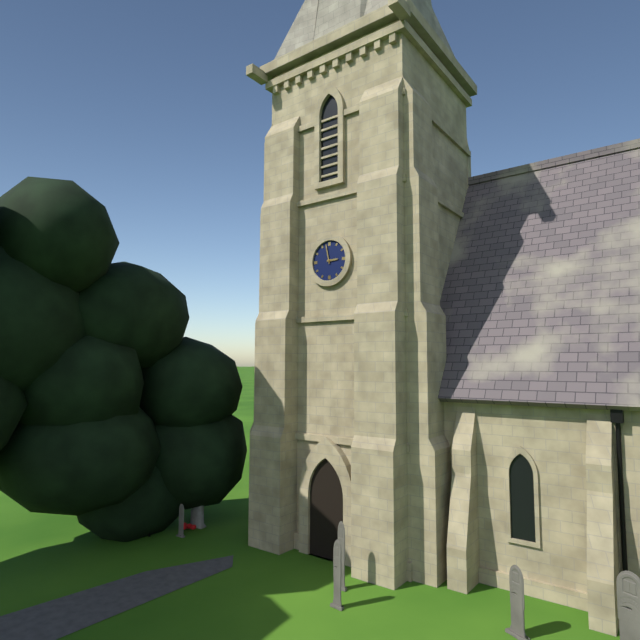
**2:58**
